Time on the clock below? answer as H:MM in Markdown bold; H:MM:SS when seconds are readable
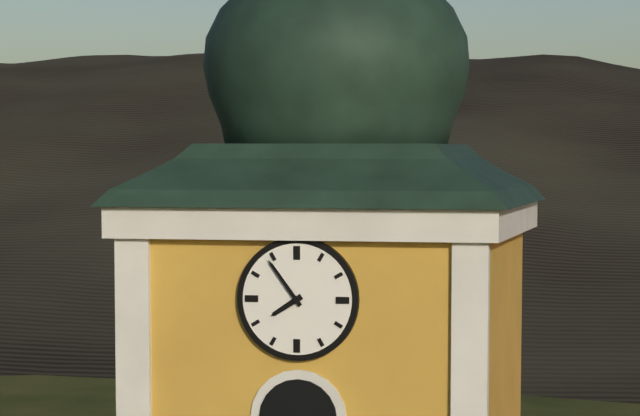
**7:54**
